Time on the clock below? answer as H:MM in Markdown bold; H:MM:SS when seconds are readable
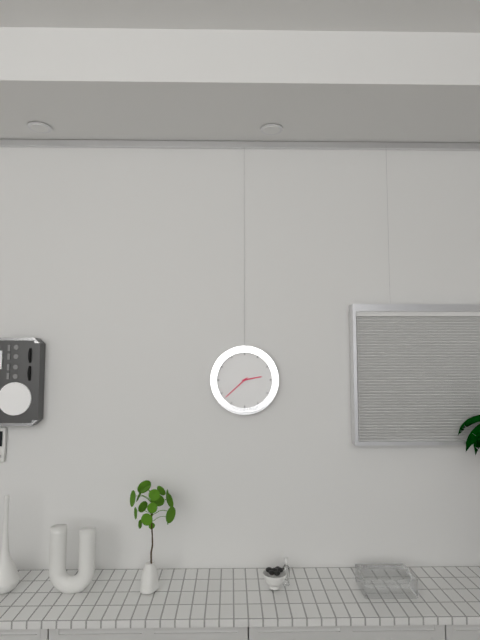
**2:38**
